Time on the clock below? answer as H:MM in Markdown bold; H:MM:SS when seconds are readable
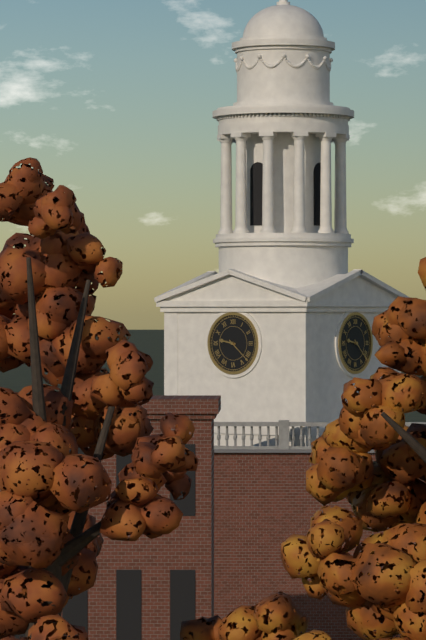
**9:22**
